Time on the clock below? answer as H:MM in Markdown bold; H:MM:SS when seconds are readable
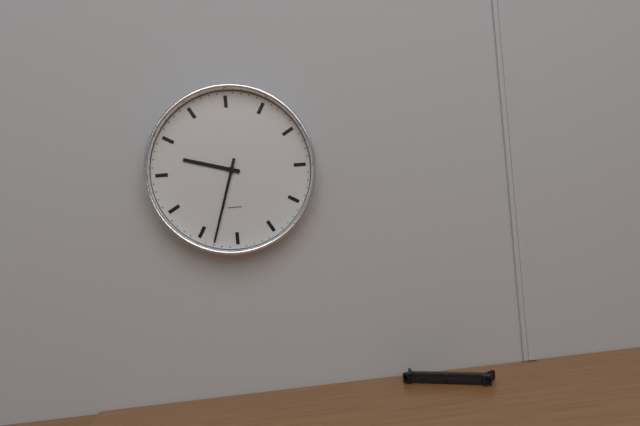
**9:33**
